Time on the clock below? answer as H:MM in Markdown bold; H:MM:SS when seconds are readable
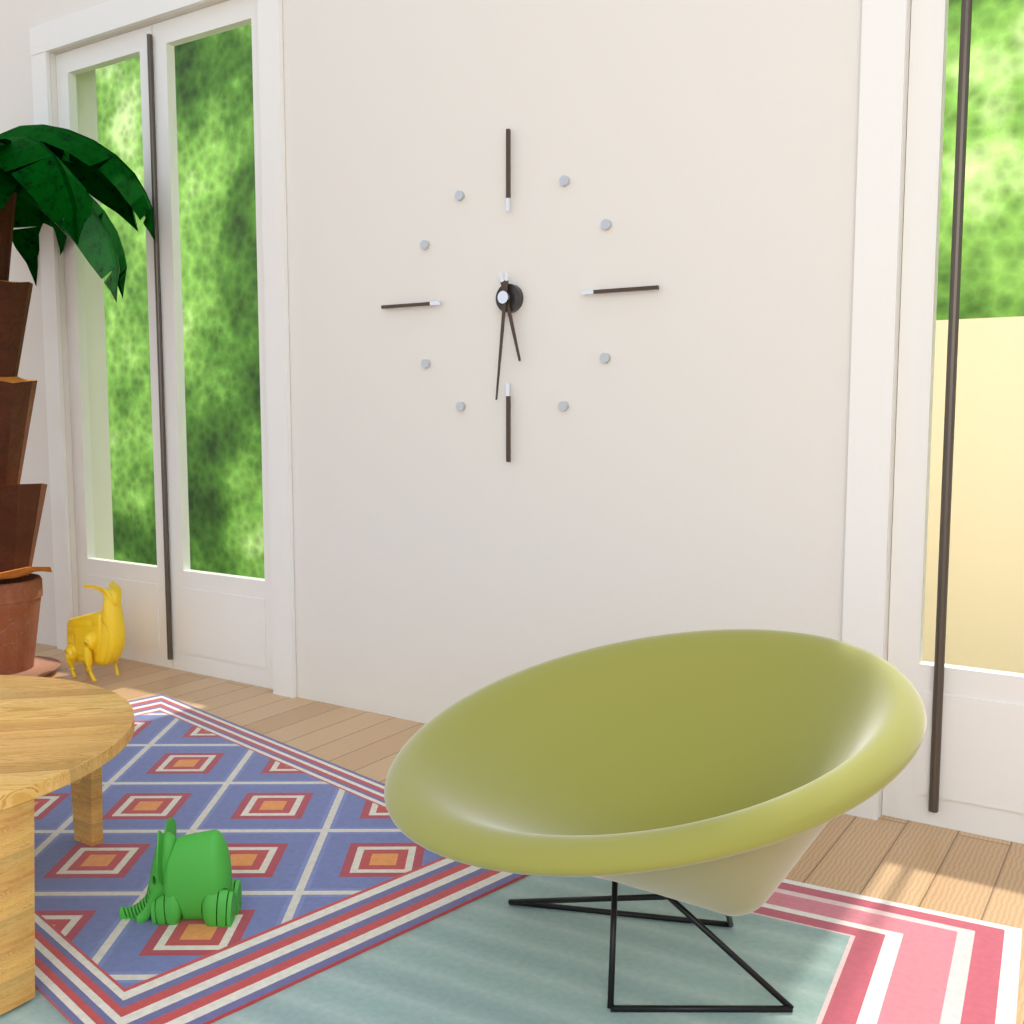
**5:31**
